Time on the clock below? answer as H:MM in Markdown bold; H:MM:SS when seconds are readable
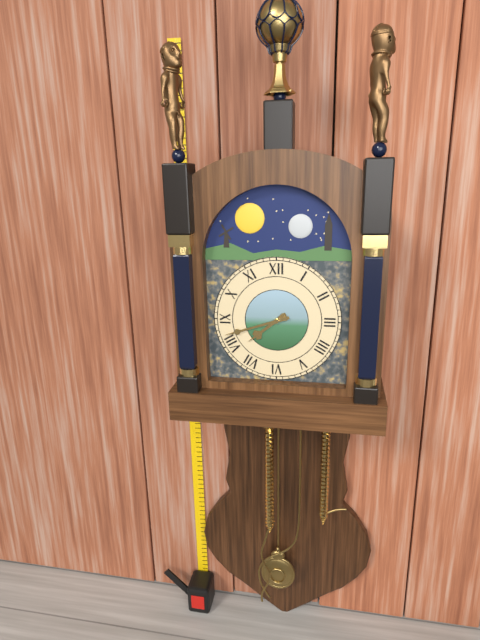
**7:42**
